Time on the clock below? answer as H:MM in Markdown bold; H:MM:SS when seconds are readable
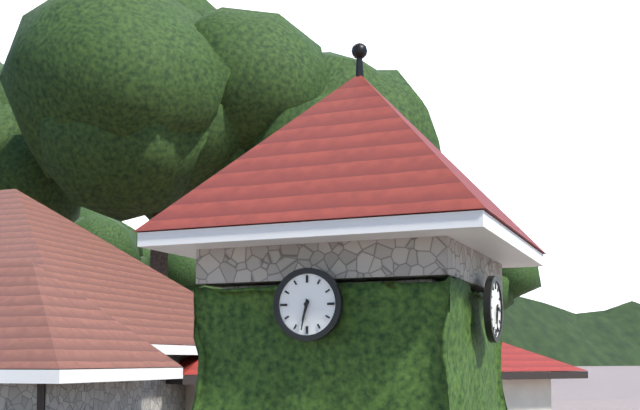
**6:32**
